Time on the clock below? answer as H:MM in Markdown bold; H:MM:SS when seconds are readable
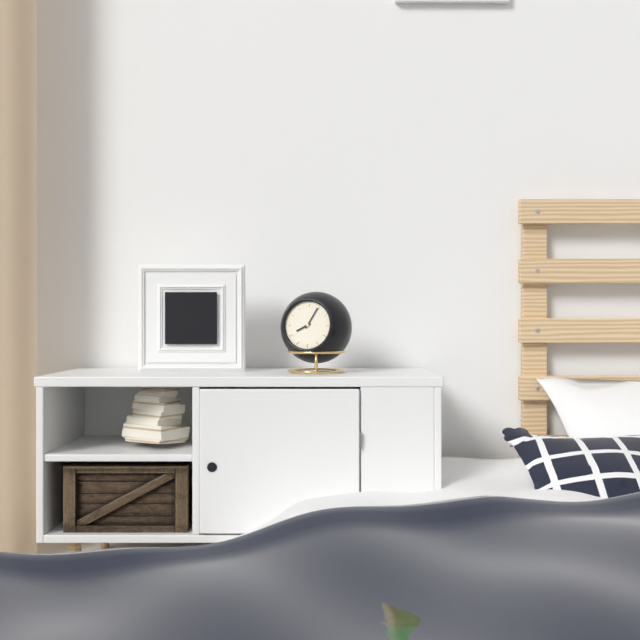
**8:05**
